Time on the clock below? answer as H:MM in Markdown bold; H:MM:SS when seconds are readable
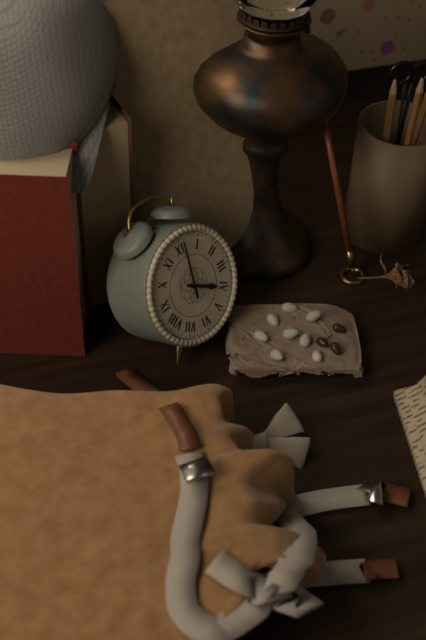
**4:01**
